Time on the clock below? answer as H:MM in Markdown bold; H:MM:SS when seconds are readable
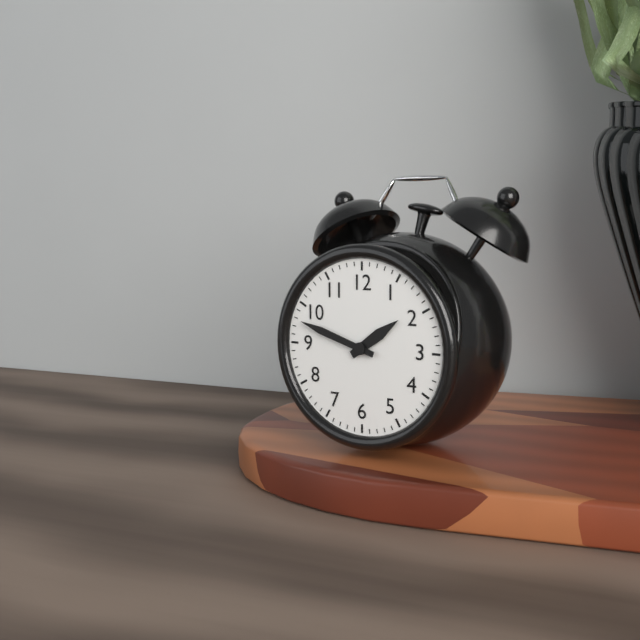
**1:48**
